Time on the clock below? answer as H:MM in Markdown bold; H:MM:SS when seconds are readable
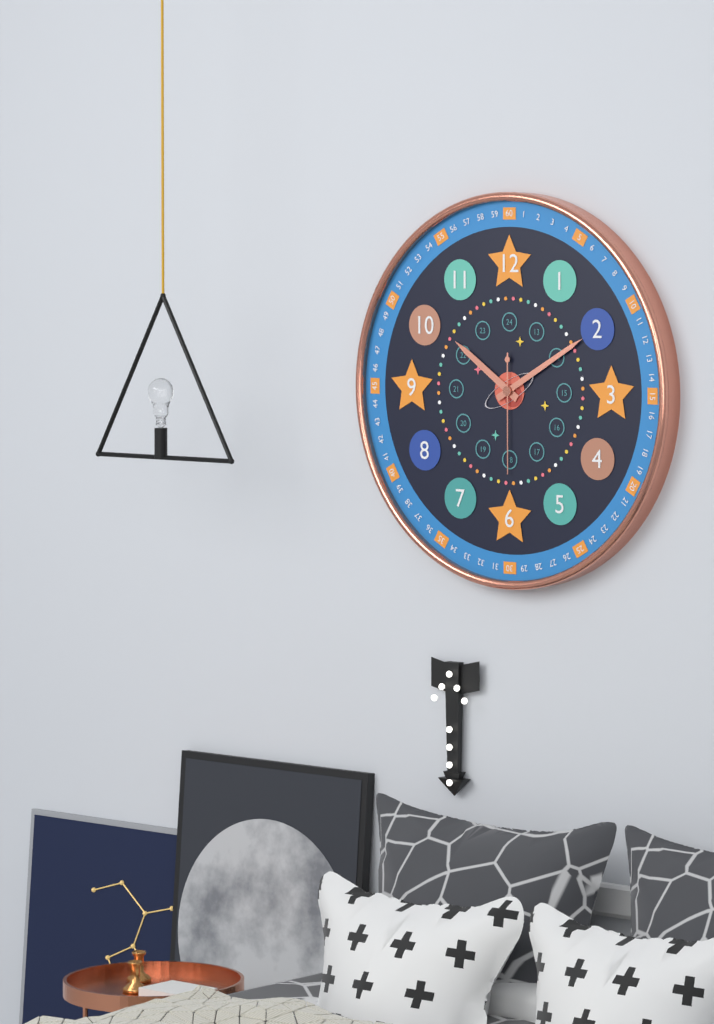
**10:10:30**
